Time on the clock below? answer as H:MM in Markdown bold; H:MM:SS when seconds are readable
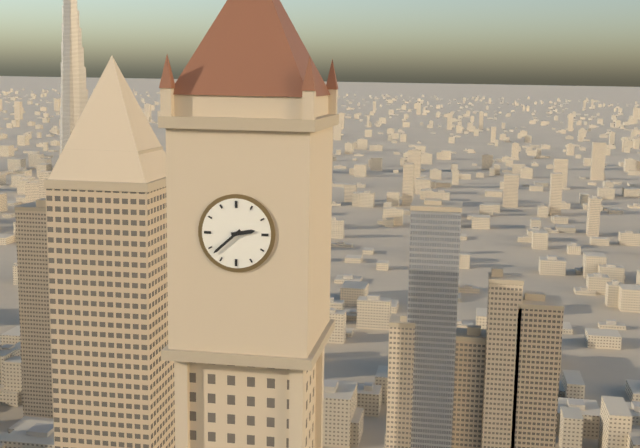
**2:38**
